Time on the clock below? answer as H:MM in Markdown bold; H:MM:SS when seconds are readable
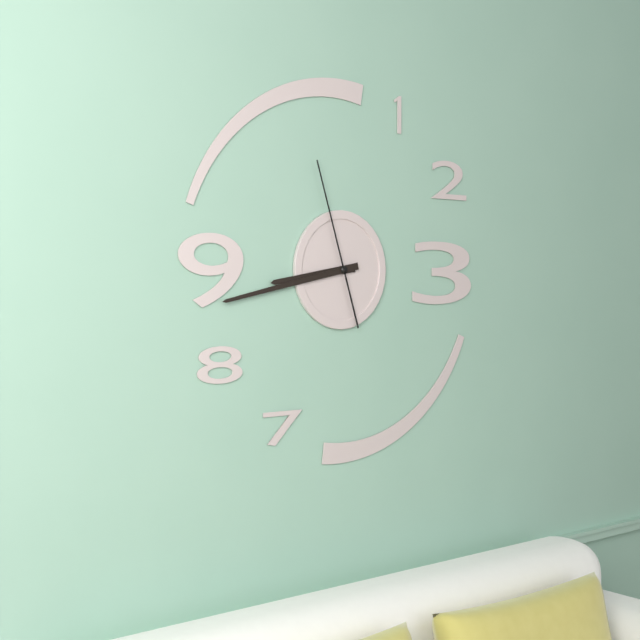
**8:43:57**
